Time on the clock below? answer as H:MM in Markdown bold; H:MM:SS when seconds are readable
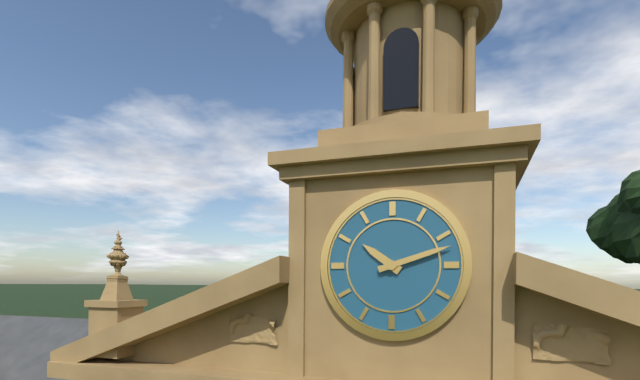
**10:12**
